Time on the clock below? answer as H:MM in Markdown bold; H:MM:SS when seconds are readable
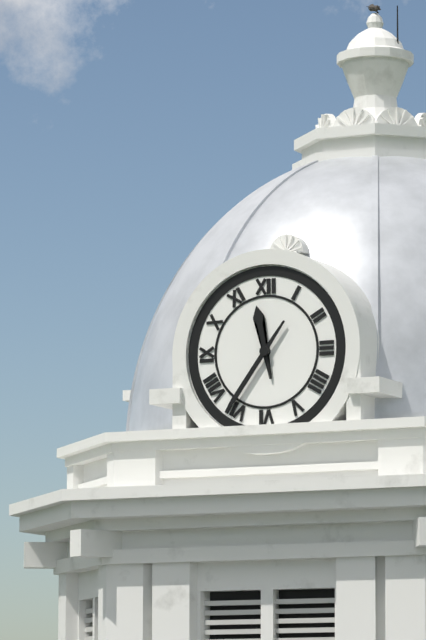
**11:36**
